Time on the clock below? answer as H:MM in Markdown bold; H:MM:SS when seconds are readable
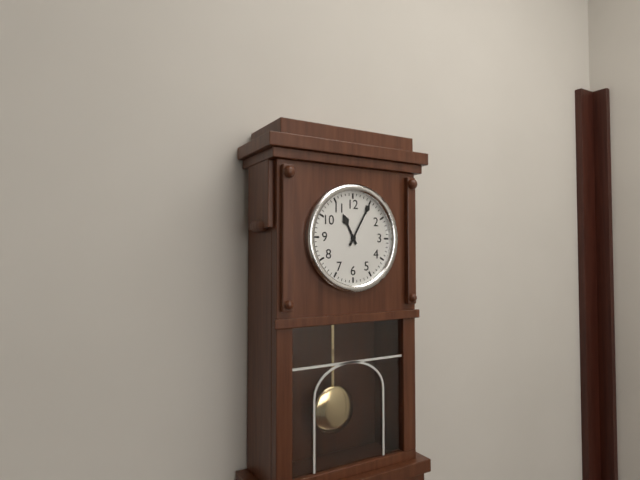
**11:05**
